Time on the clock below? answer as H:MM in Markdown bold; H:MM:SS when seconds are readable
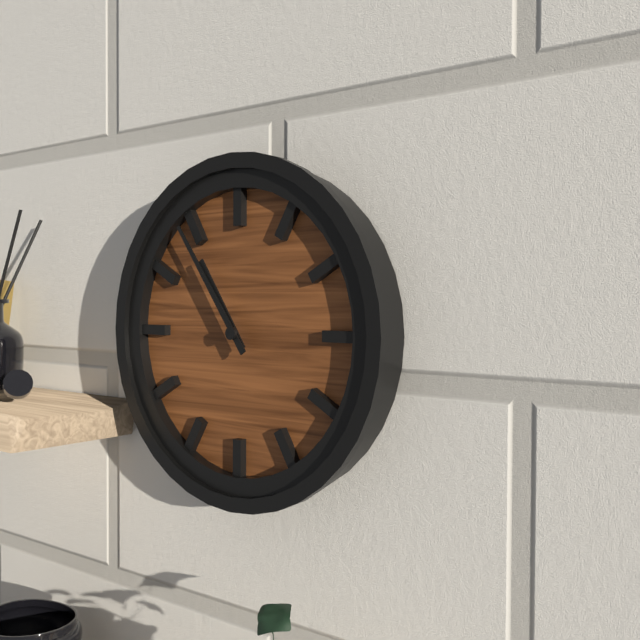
**10:54**
